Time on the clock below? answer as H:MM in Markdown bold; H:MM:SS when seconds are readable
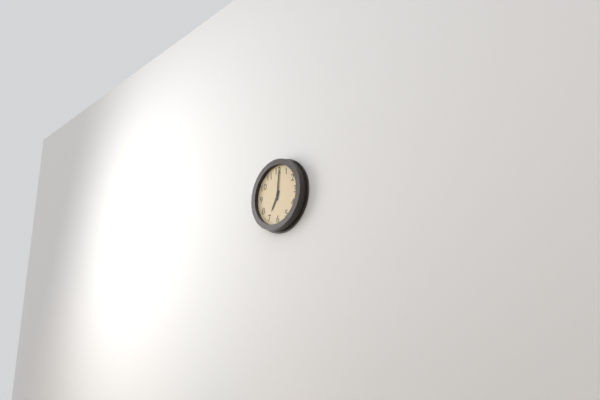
**7:01**
